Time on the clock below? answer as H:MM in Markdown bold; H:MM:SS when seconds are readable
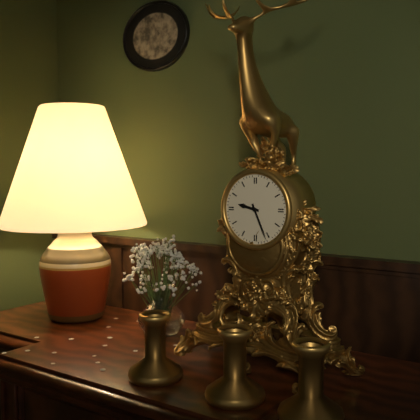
**9:26**
